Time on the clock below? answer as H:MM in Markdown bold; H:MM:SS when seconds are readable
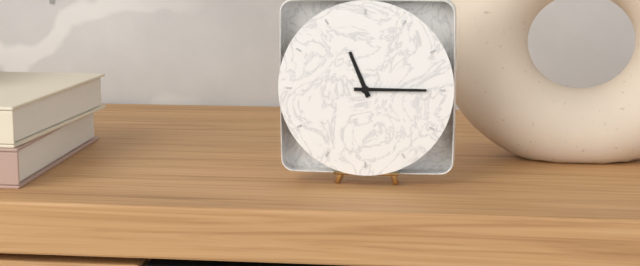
**11:15**
